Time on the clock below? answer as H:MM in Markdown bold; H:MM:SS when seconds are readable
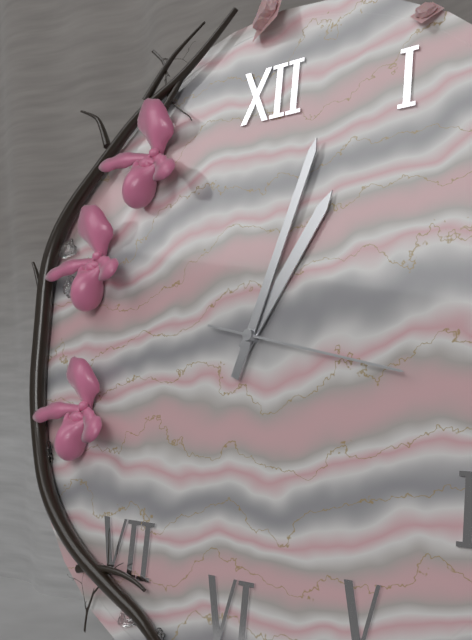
**1:03:17**
